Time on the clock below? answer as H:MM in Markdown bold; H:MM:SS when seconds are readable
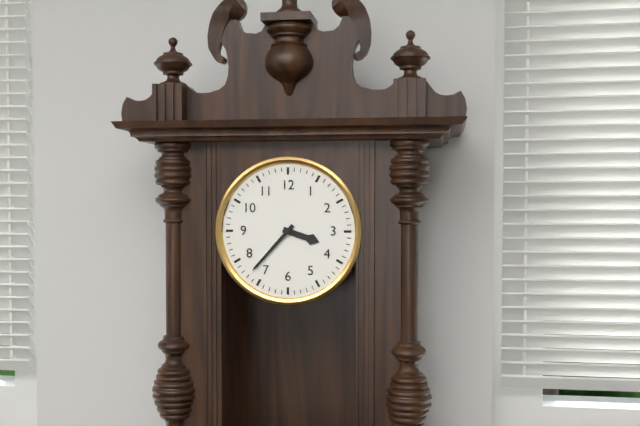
**3:37**
